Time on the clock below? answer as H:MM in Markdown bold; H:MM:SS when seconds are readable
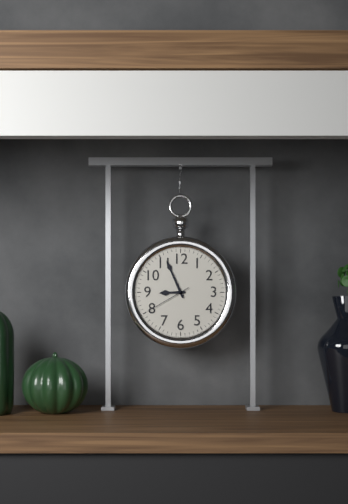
**8:56**
